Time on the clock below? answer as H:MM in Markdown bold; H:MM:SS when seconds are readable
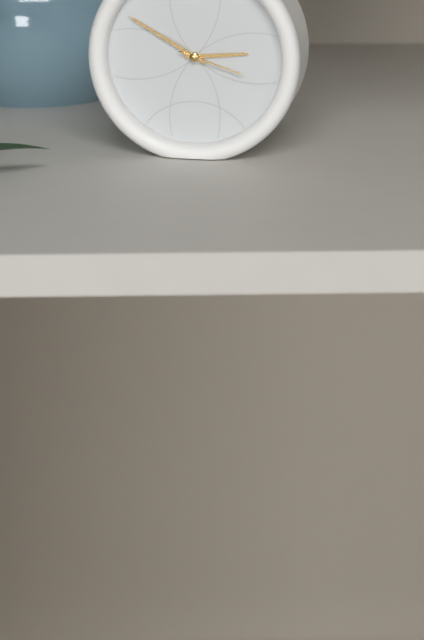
**2:50:18**
